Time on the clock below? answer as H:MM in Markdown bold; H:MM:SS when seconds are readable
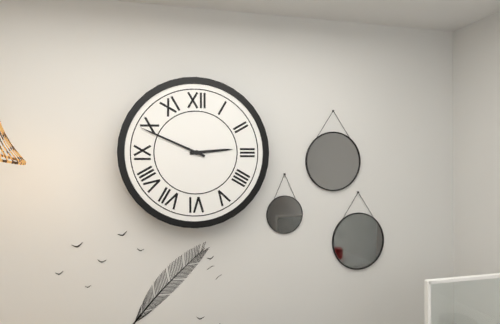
**2:49**
